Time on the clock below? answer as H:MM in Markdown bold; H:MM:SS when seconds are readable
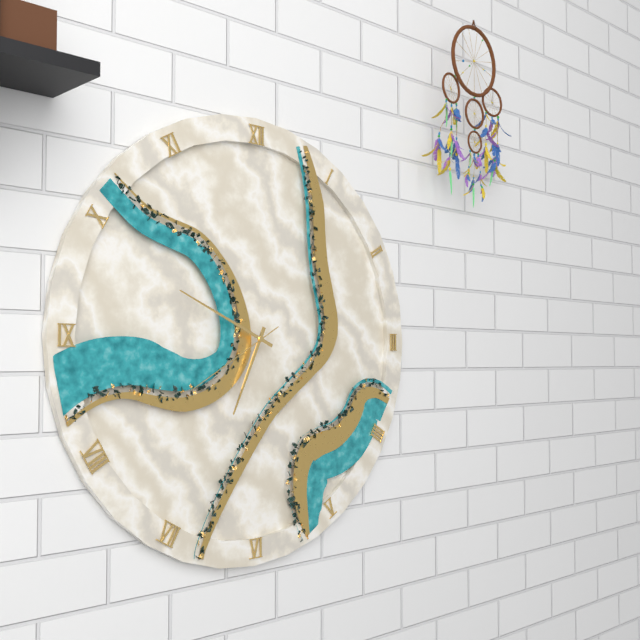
**6:49:40**
